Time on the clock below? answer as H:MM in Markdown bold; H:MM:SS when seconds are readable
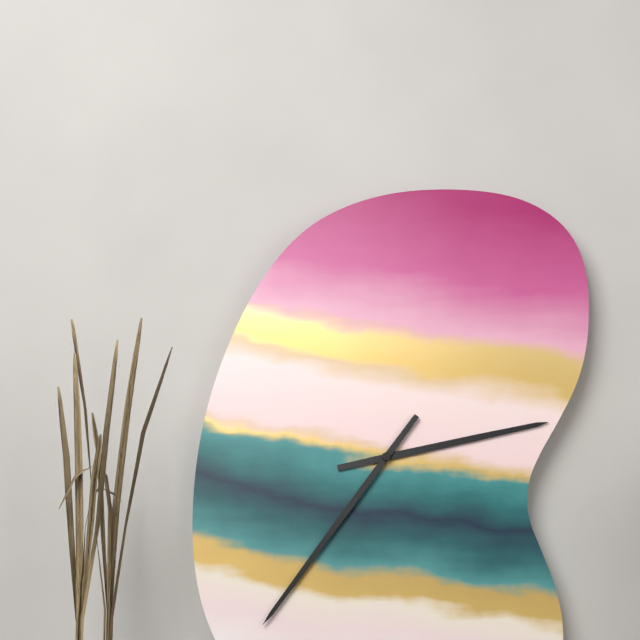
**2:36**
